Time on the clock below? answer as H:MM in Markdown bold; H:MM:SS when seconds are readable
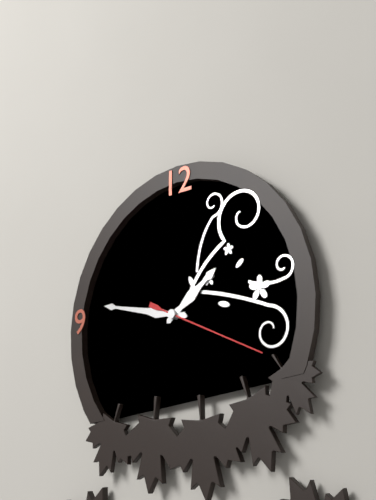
**1:47:19**
